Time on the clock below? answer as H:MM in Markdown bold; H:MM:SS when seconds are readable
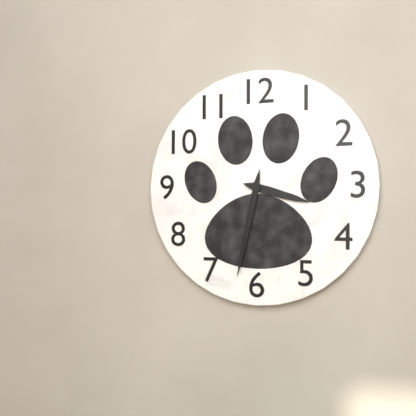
**3:32**
